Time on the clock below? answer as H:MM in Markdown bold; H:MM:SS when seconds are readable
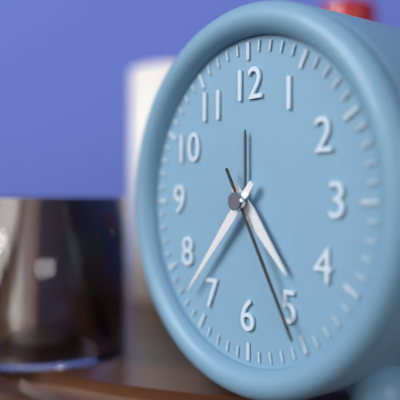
**4:37:25**
